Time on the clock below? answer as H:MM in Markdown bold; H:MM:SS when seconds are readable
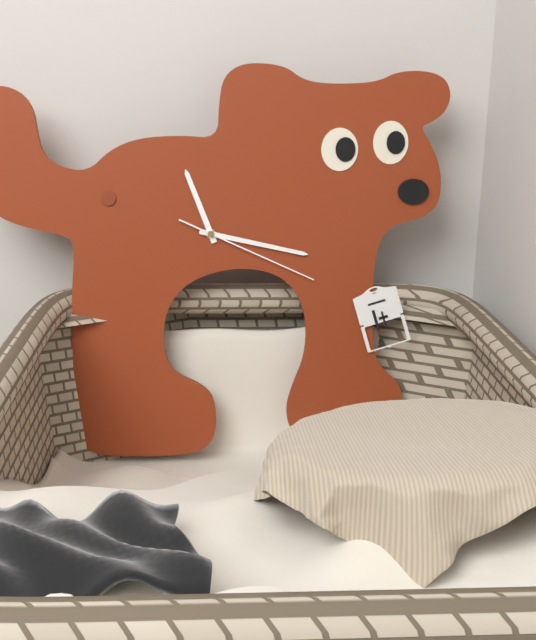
**11:17:19**
